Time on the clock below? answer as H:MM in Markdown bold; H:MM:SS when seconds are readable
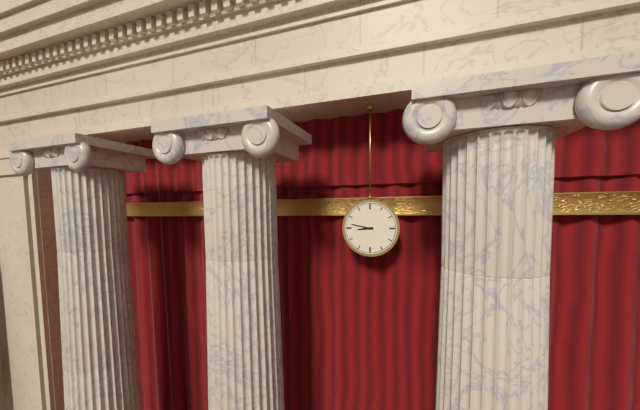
**8:47**
